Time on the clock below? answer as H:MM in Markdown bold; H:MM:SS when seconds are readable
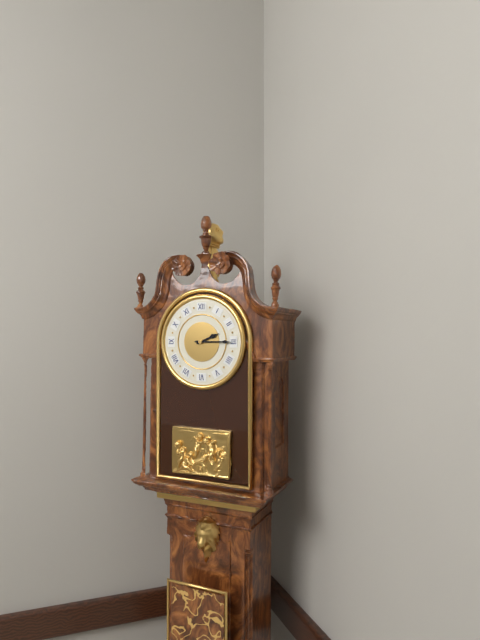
**2:15**
